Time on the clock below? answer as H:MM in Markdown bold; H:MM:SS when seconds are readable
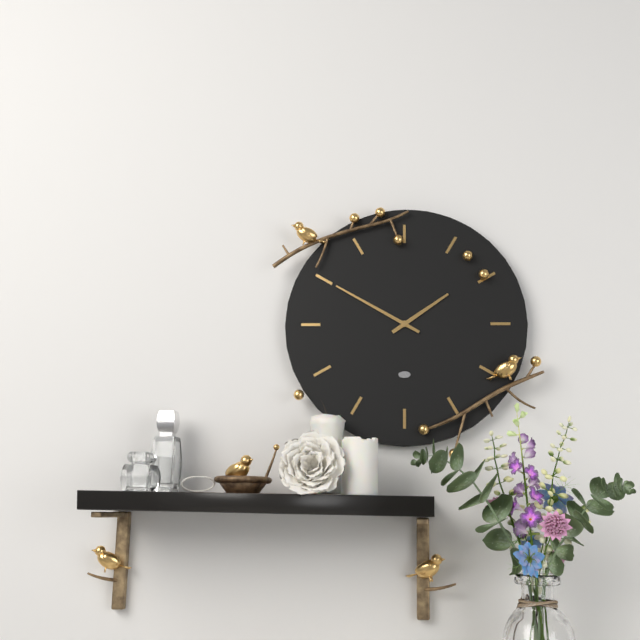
**1:50**
